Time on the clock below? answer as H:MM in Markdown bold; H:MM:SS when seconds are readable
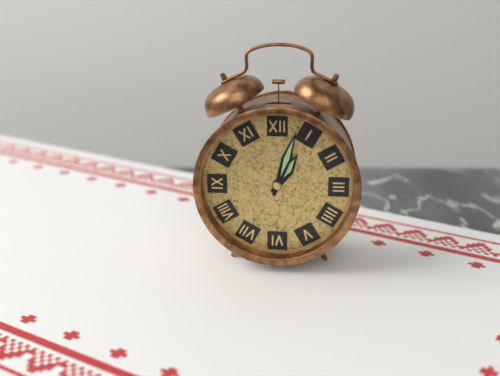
**1:03**
